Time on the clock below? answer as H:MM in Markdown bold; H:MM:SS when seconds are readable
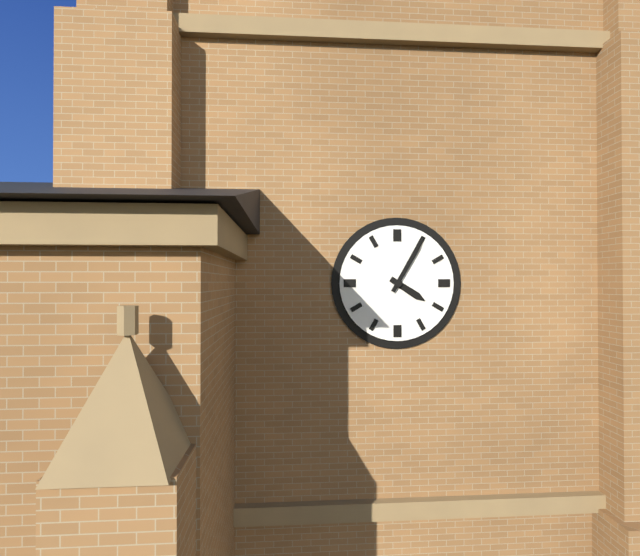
**4:05**
